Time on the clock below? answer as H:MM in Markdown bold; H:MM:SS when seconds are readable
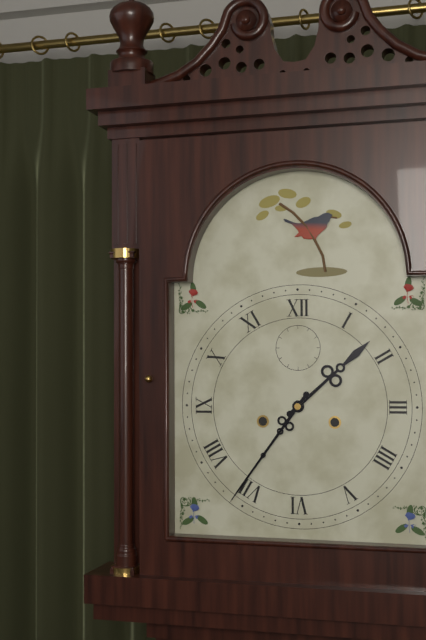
**1:36**
